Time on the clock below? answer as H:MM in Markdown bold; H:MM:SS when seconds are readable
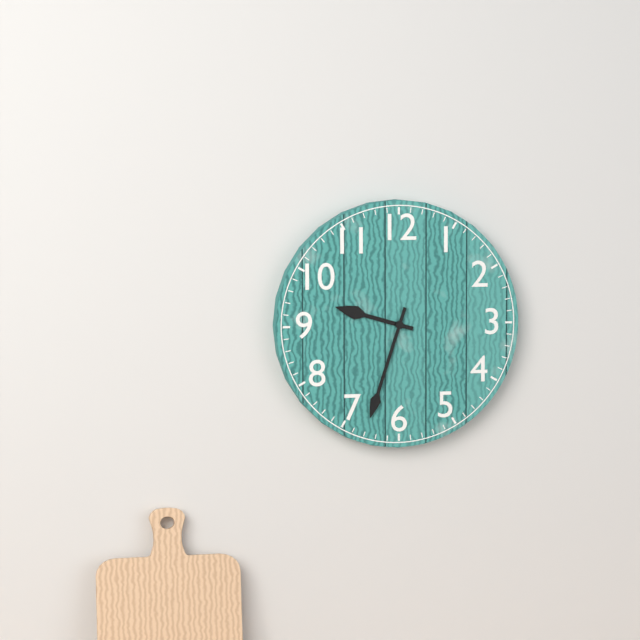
**9:33**
